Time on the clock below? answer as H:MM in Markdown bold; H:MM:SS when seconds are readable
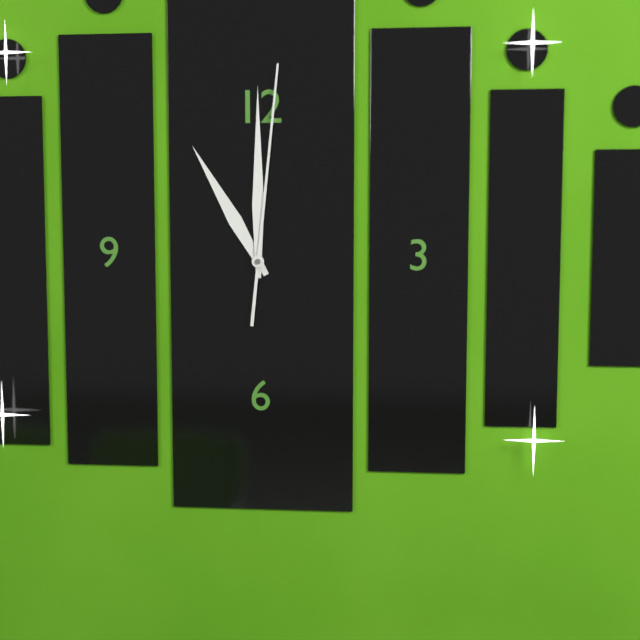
**11:00:01**
